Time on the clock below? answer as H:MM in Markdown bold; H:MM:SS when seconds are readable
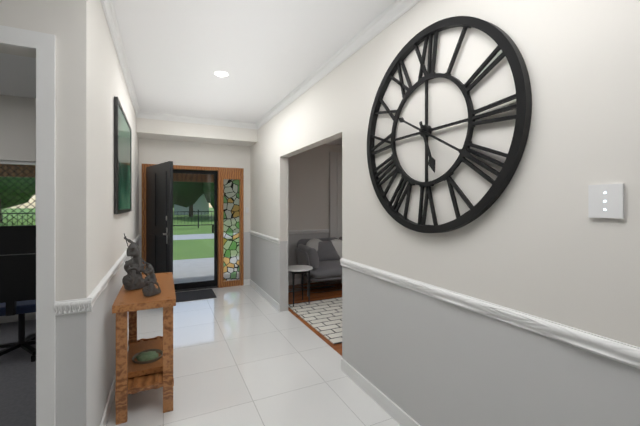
**5:20**
